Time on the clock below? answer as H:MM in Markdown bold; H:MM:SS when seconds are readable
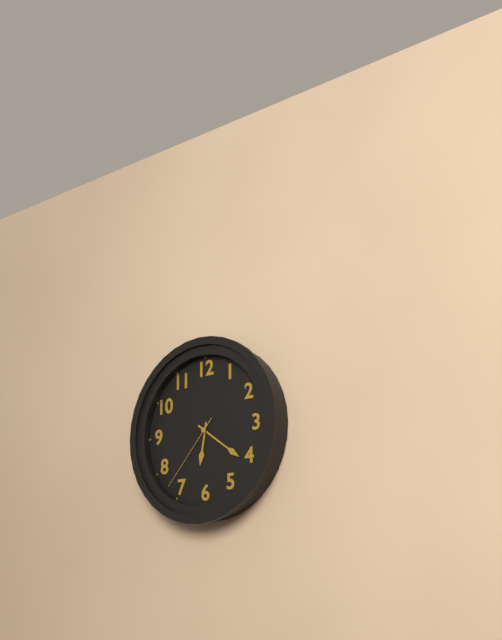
**6:21:37**
